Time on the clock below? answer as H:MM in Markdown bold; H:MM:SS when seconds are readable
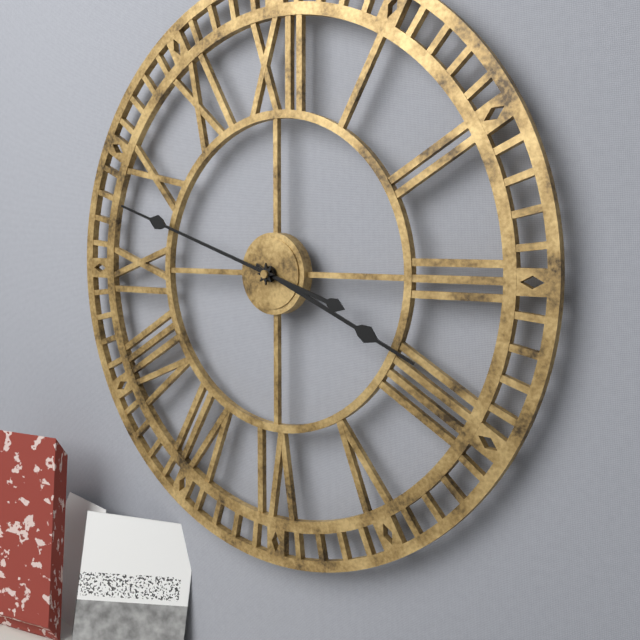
**3:48**
